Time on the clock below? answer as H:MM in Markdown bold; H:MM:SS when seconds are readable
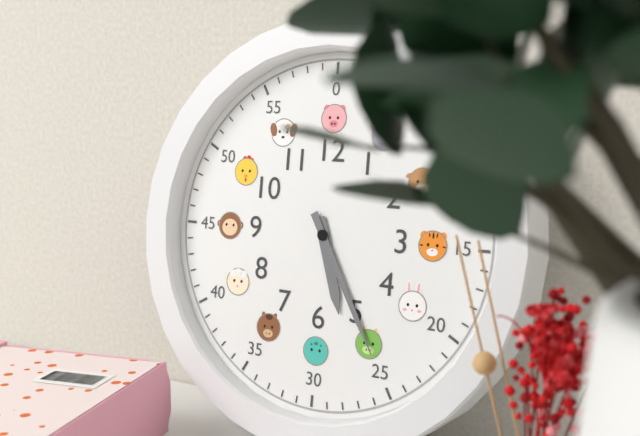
**5:25**
